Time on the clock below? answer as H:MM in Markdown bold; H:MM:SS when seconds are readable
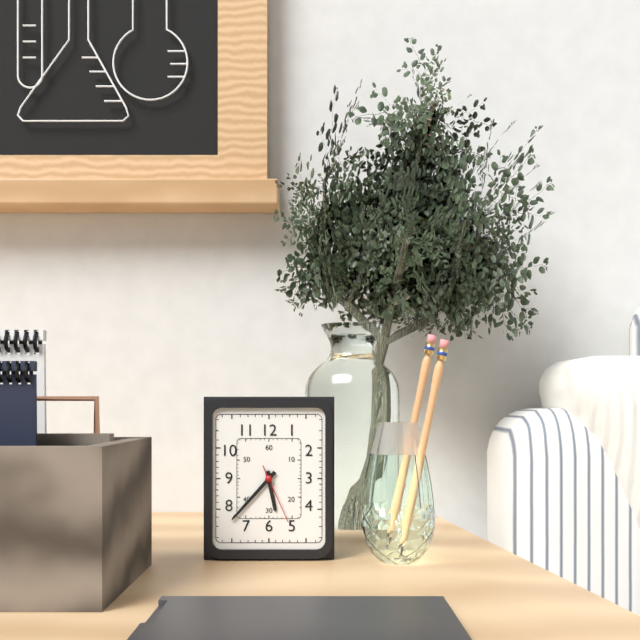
**5:37:26**
